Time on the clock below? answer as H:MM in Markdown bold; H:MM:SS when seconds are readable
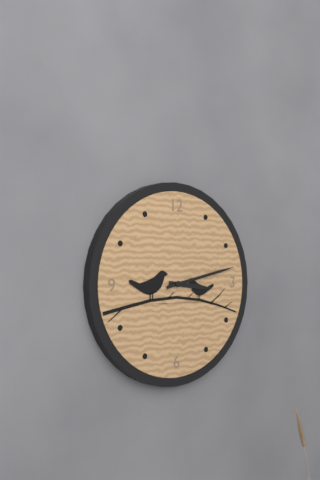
**3:13**
